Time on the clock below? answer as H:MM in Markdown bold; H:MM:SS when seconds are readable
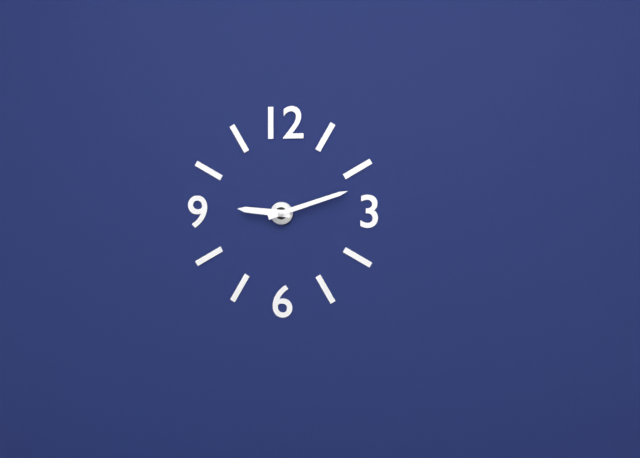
**9:12**
